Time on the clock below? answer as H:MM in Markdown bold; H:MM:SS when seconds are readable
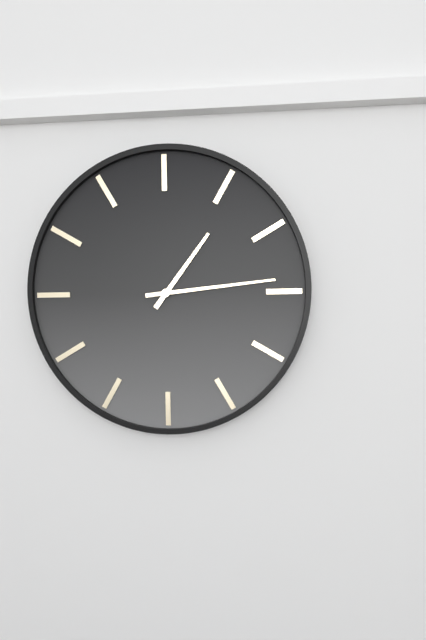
**1:14**
